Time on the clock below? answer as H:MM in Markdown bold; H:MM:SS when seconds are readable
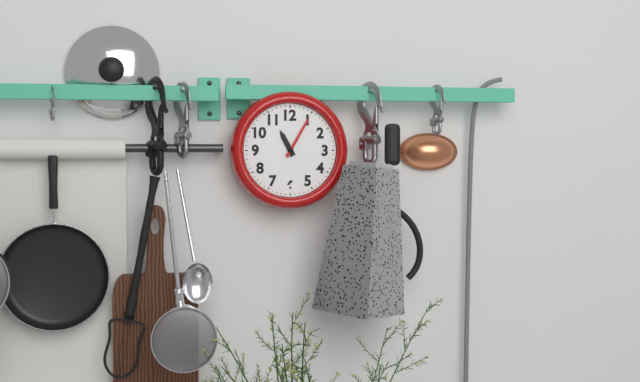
**11:05**
